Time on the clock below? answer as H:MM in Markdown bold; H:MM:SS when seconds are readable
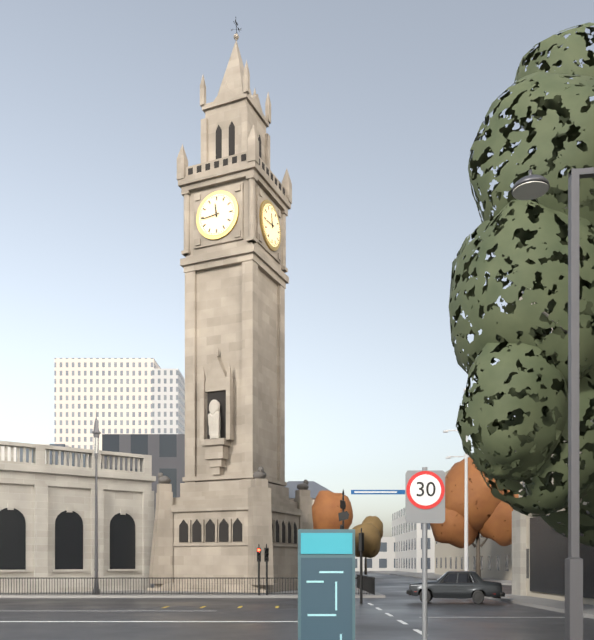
**11:44**
